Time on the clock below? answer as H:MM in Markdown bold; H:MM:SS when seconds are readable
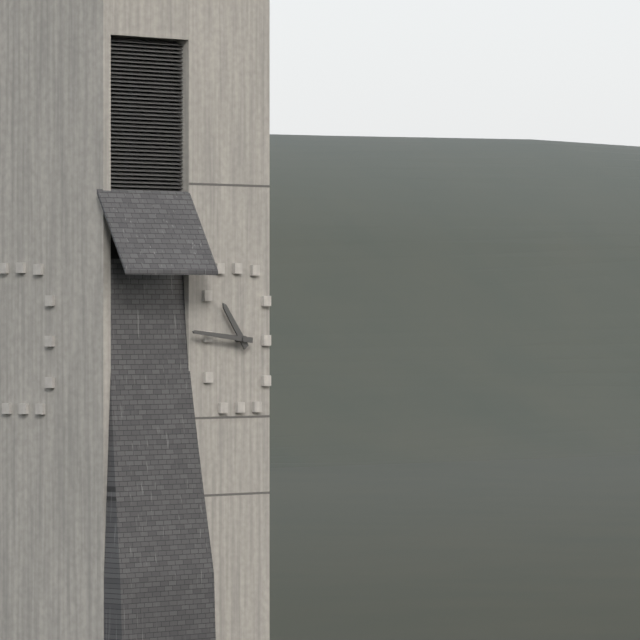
**10:46**
